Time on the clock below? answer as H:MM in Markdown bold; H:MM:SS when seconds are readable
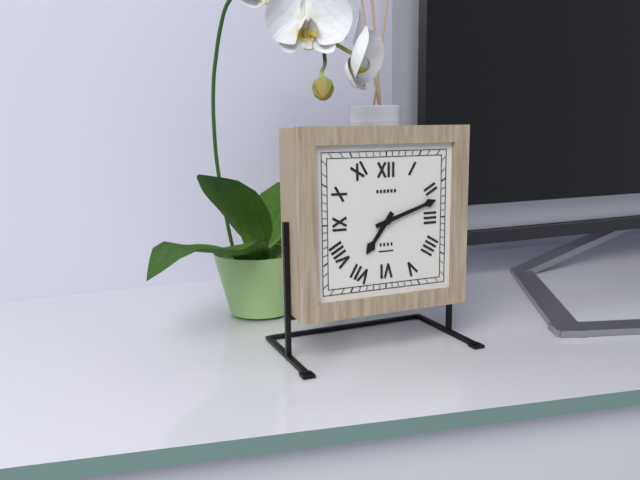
**7:12**
